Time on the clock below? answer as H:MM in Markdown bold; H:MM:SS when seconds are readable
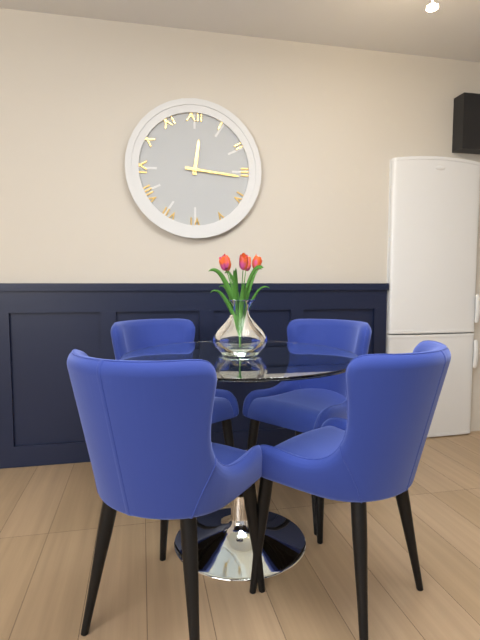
**12:16**
